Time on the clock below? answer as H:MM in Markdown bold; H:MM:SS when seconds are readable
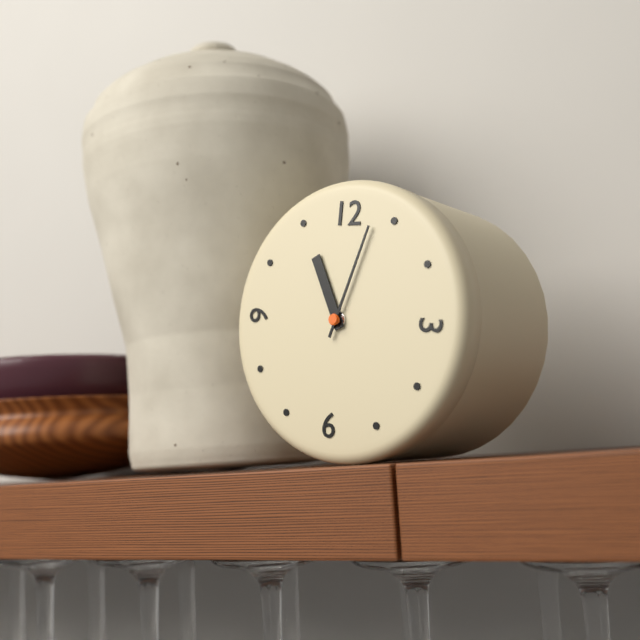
**11:03**
